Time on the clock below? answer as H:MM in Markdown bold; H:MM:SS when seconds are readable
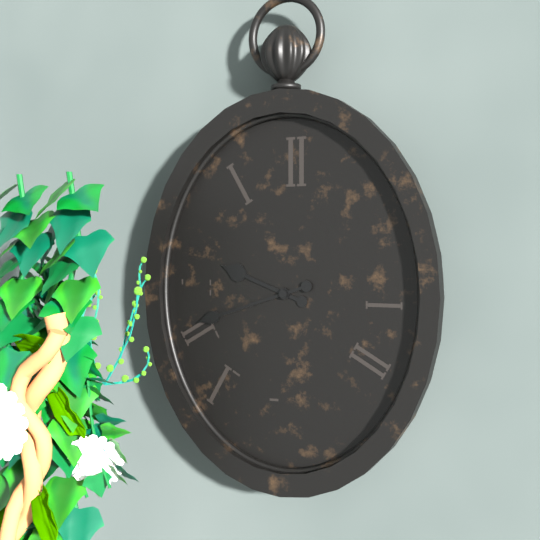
**9:42**
